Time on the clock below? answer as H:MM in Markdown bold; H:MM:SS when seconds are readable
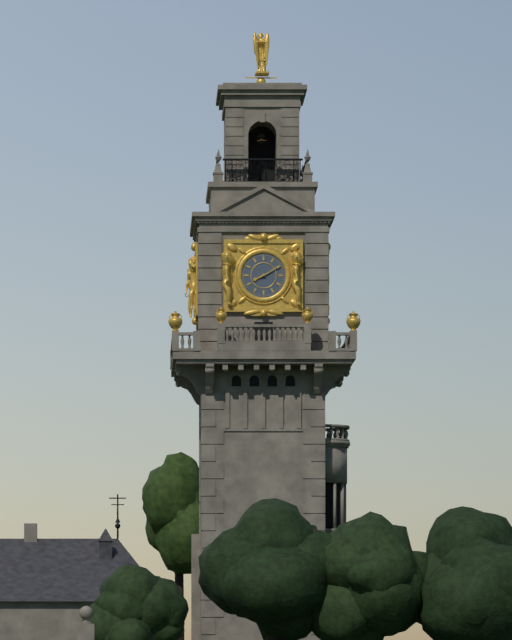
**8:10**
